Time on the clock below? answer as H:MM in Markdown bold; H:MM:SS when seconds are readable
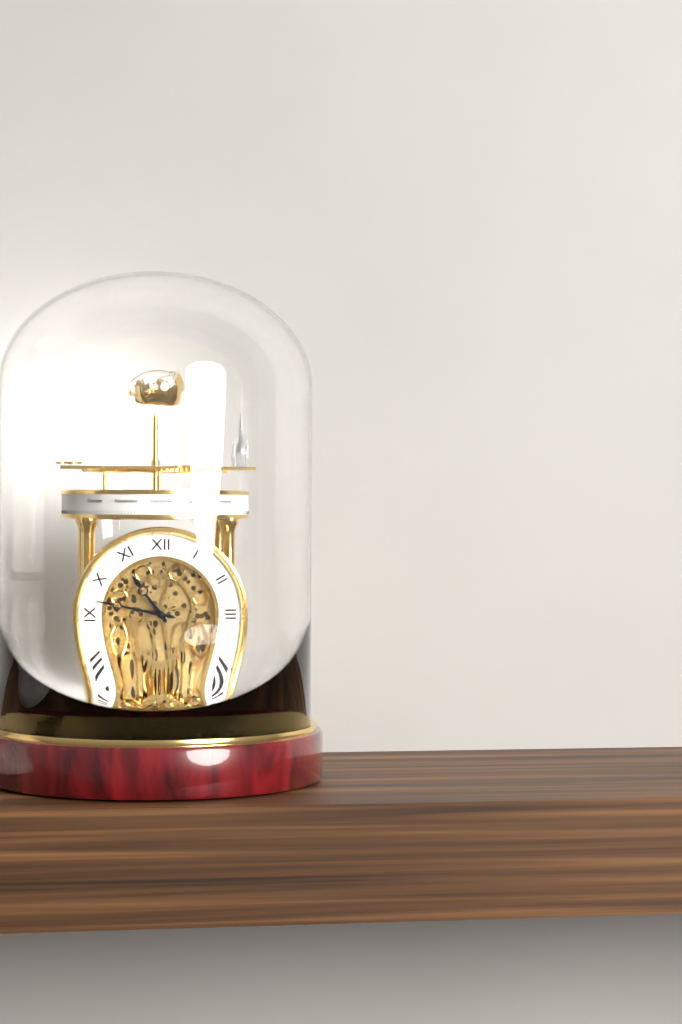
**10:47**
